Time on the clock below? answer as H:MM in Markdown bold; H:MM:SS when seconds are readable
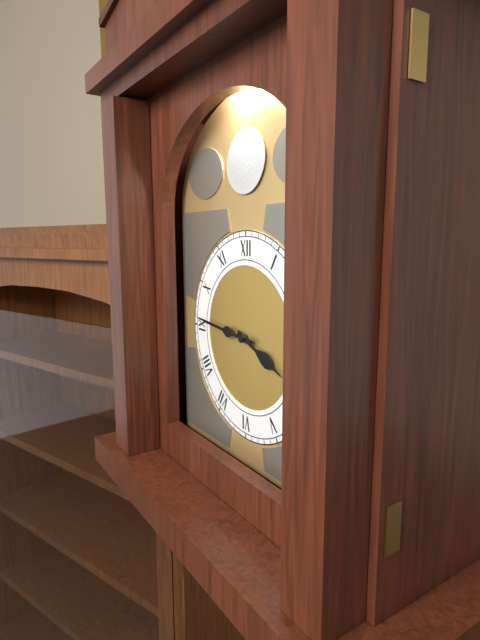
**3:46**
